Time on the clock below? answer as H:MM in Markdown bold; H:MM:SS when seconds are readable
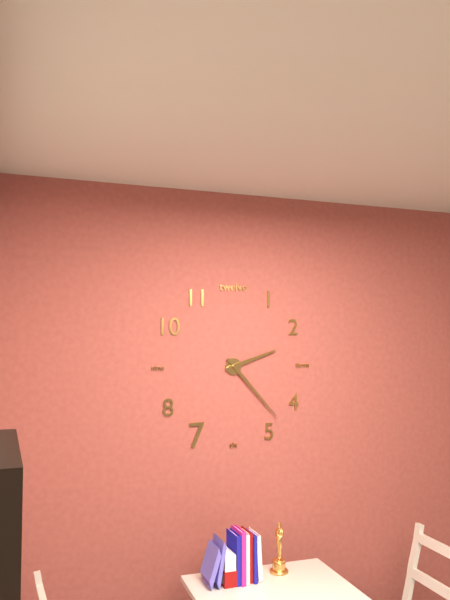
**2:23**
